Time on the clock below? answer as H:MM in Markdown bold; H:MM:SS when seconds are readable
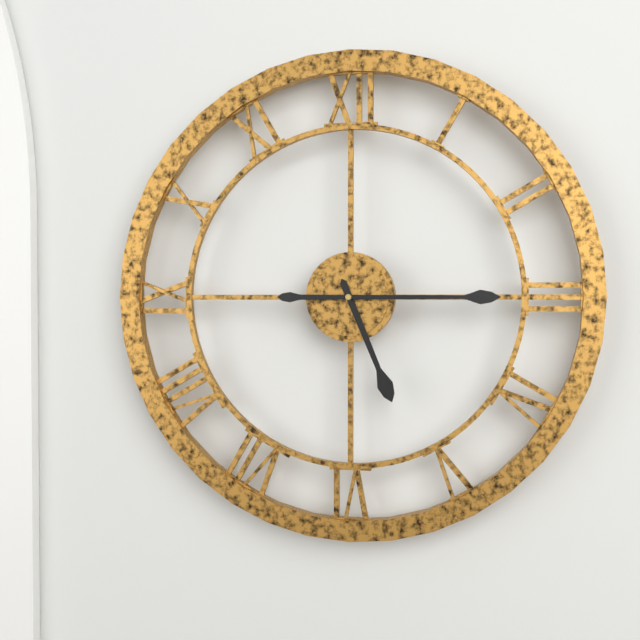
**5:15**
